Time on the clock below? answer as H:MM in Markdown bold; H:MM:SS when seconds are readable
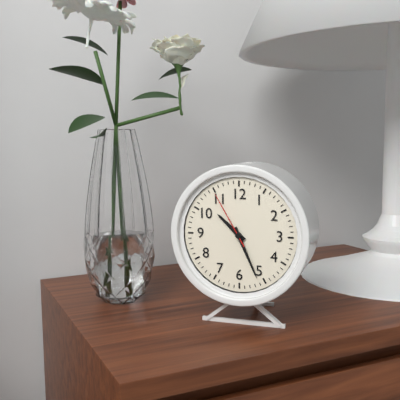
**10:26:55**
